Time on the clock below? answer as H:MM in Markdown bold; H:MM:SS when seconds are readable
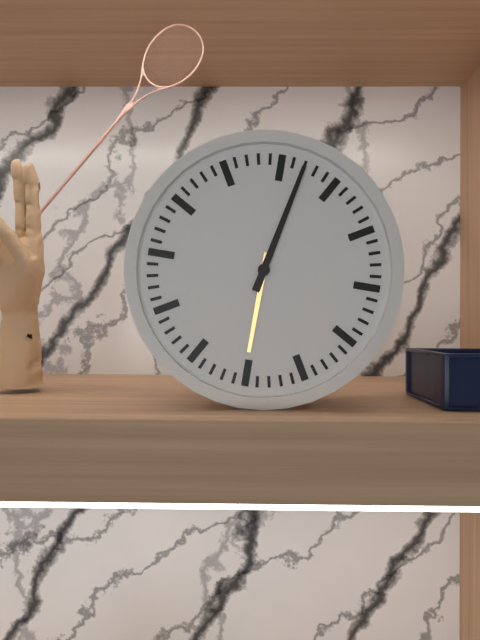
**6:02**
